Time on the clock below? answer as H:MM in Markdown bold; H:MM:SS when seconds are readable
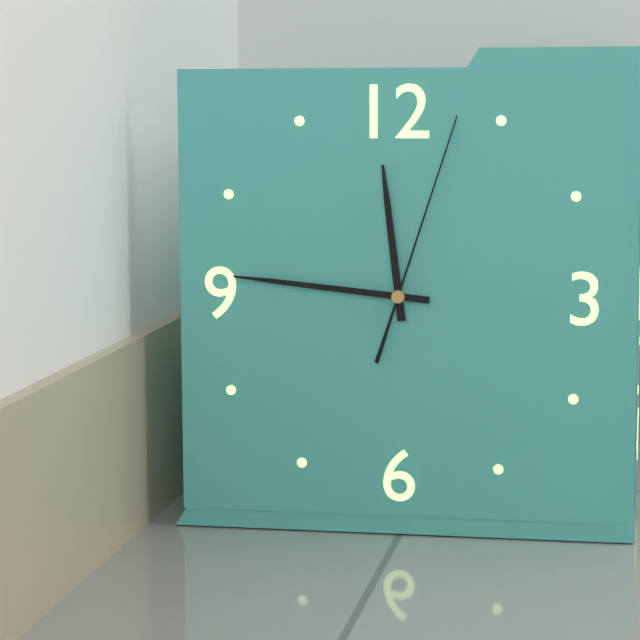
**11:46:03**
